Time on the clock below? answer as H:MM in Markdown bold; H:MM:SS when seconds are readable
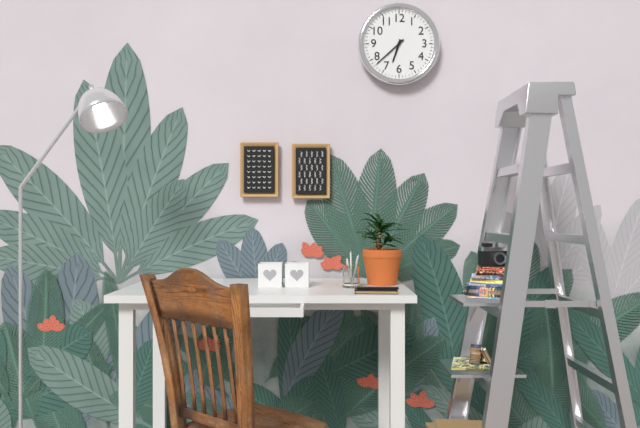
**6:38**
